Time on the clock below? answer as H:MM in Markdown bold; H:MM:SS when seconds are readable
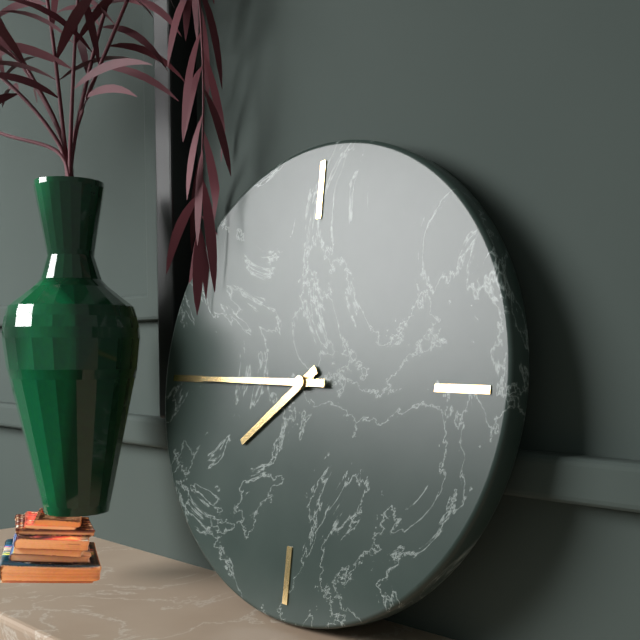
**7:45**
